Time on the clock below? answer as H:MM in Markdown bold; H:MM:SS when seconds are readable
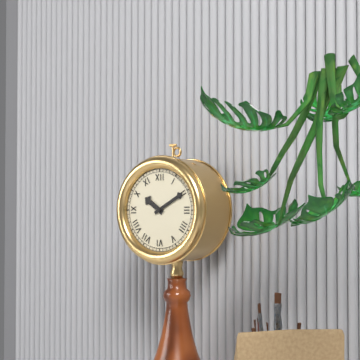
**10:10**
